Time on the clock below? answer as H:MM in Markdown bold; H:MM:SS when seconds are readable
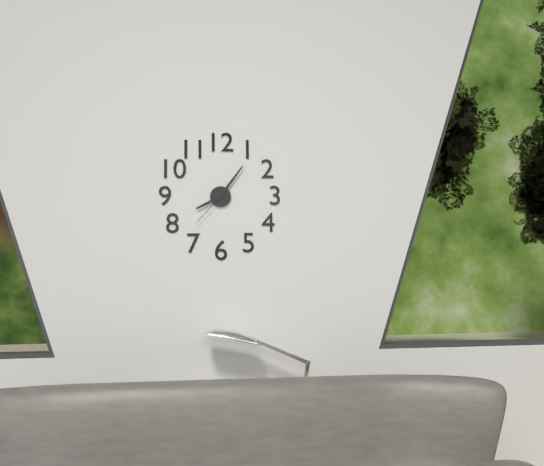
**8:06**
